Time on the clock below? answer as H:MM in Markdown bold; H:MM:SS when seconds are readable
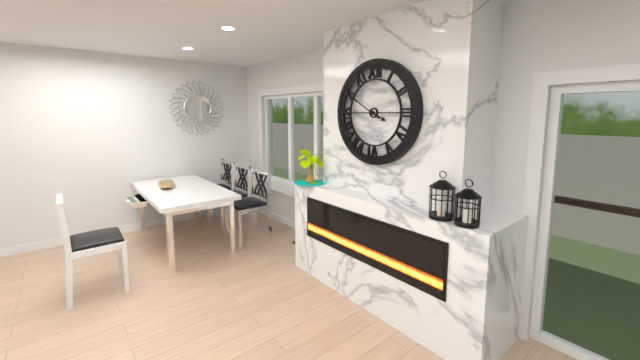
**3:50**
